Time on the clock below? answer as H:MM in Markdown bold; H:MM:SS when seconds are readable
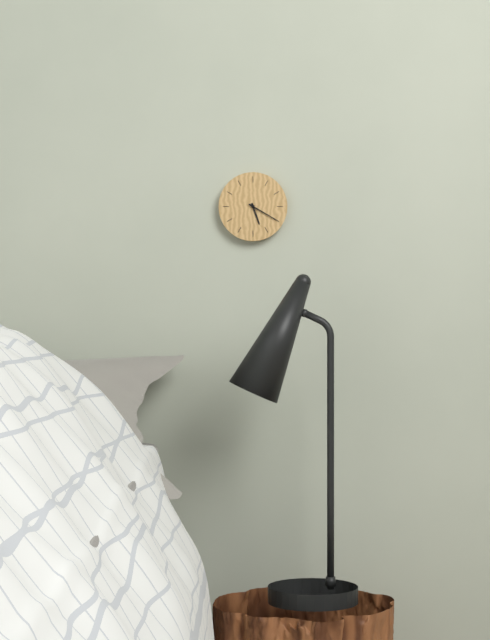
**5:20**
